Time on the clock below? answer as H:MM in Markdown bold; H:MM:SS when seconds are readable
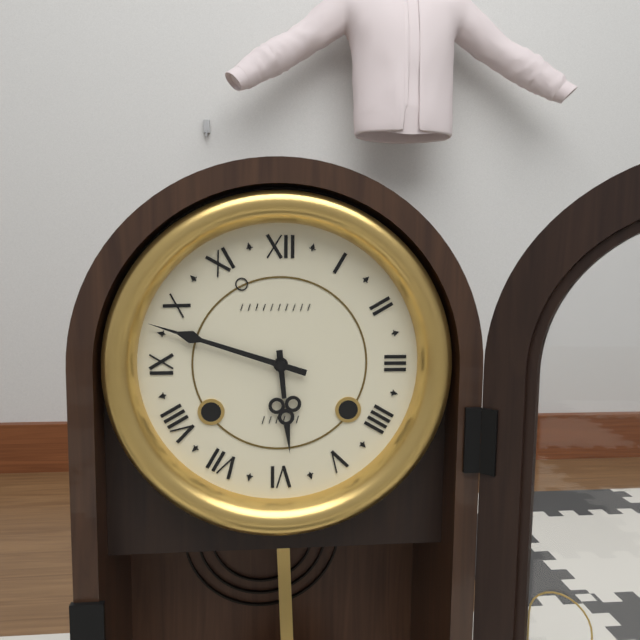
**5:48**
